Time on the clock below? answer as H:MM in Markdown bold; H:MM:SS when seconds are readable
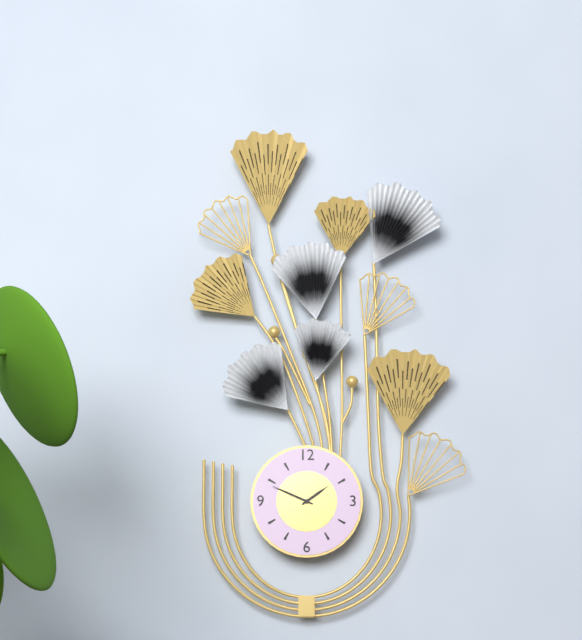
**1:49**
